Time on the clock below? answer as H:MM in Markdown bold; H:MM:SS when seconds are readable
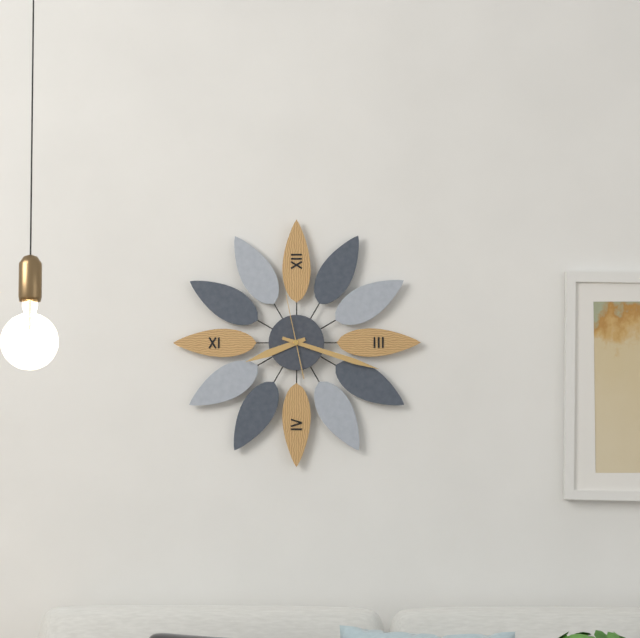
**8:18:58**
